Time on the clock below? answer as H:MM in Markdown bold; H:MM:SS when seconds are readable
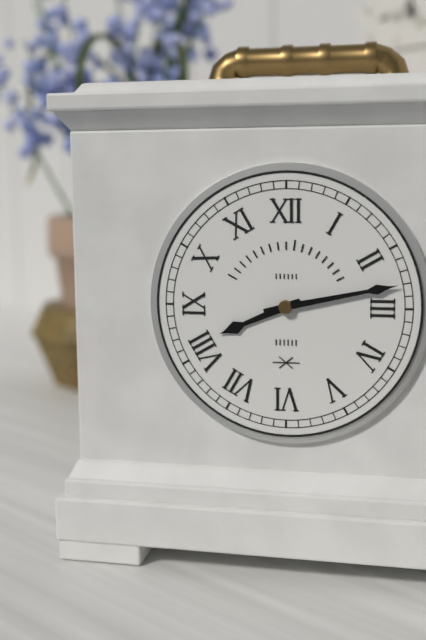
**8:13**
